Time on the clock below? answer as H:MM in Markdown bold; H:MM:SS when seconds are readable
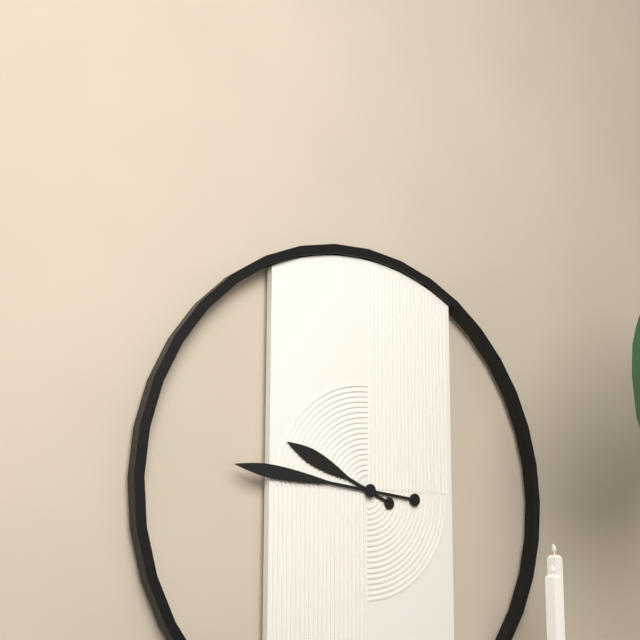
**9:46**
